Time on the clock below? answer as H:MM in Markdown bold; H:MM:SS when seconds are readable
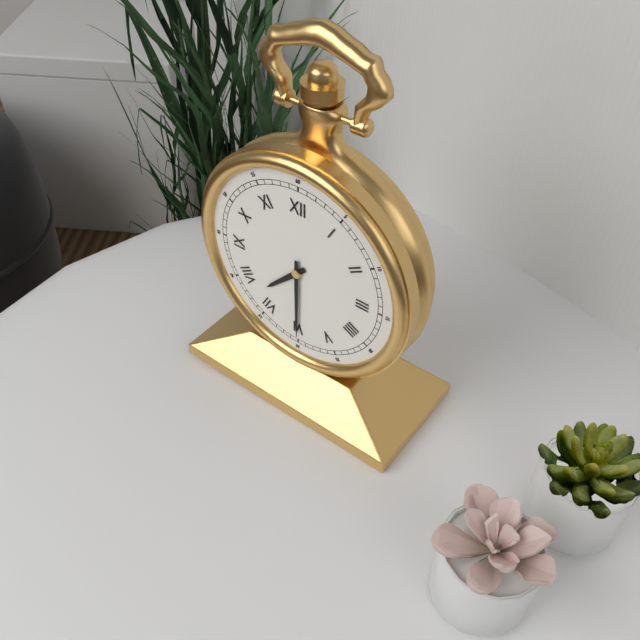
**7:30**
